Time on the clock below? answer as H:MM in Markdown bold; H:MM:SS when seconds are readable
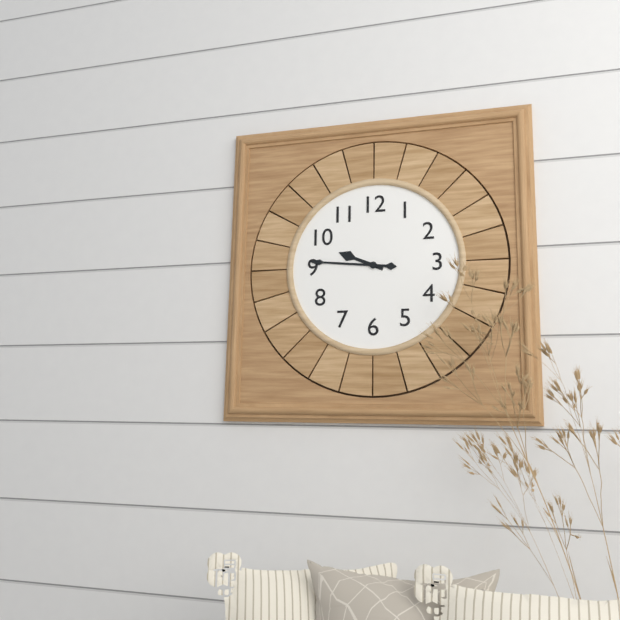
**9:46**
